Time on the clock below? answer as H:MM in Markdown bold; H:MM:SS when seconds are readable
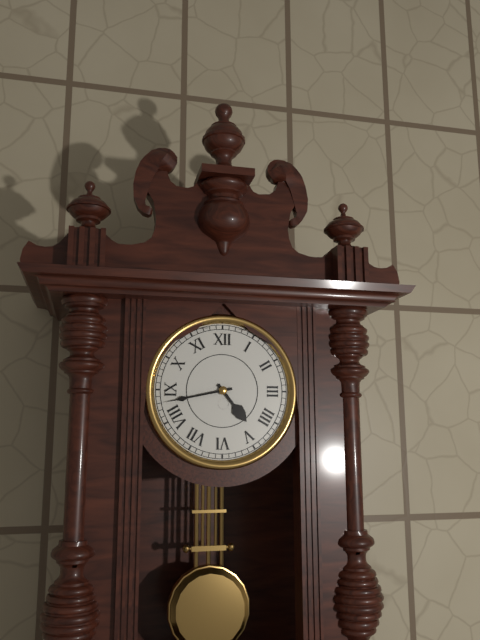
**4:43**
